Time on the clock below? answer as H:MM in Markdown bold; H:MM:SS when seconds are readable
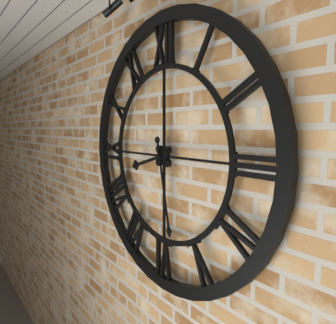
**8:28**
